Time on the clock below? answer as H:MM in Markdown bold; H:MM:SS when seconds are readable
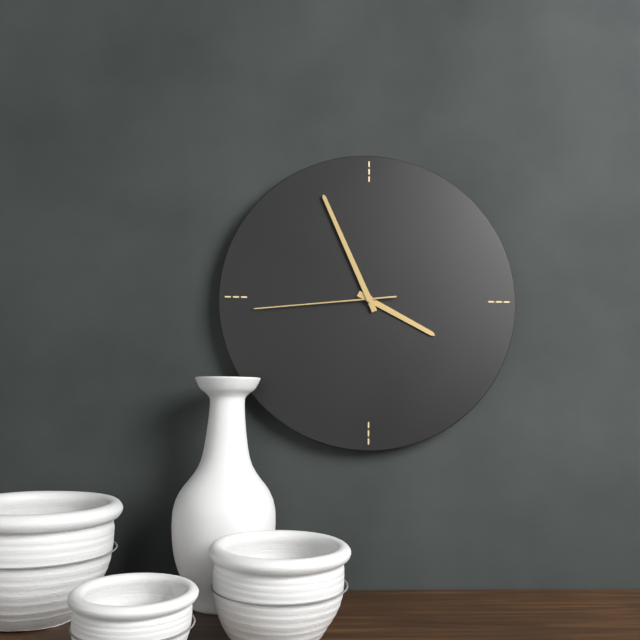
**3:56:44**
